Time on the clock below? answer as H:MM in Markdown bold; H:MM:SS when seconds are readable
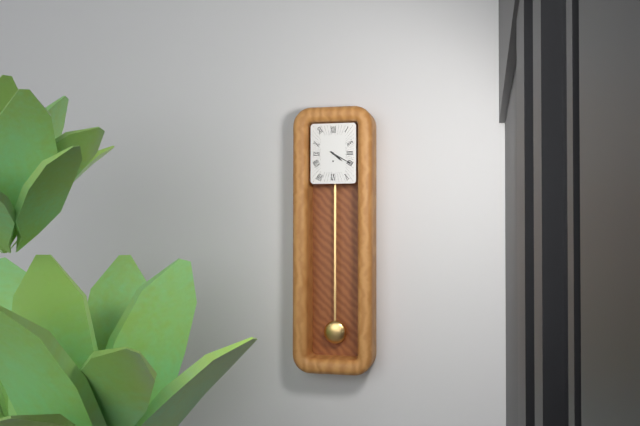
**4:20**
